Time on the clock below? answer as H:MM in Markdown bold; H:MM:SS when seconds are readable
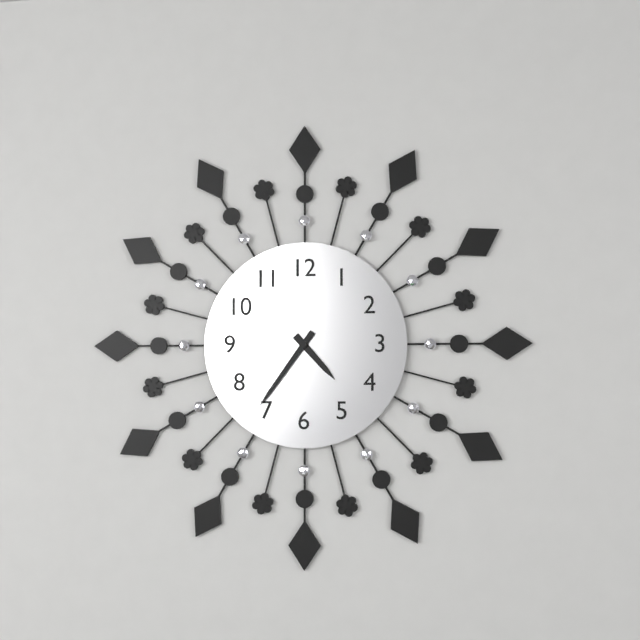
**4:36**
